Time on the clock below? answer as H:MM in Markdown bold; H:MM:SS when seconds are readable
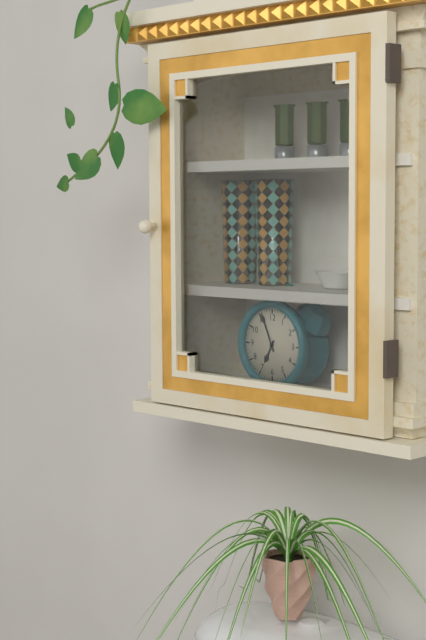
**6:56**
